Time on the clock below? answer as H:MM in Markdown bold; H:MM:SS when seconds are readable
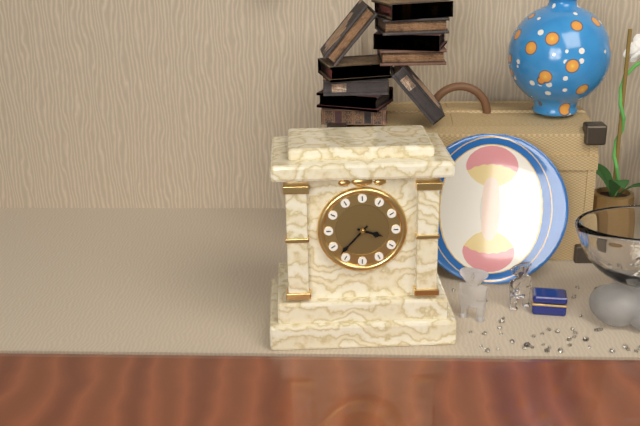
**3:37**
